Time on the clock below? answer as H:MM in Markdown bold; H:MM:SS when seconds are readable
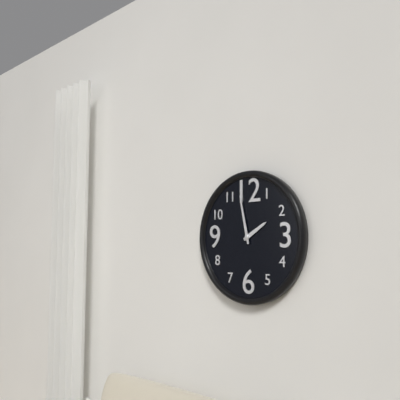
**1:58**
